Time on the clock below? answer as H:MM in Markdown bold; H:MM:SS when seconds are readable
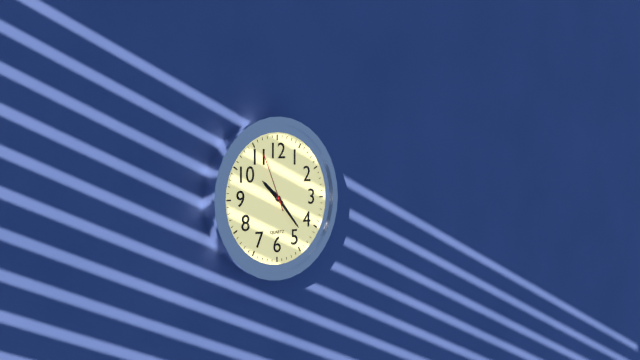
**10:23:56**
